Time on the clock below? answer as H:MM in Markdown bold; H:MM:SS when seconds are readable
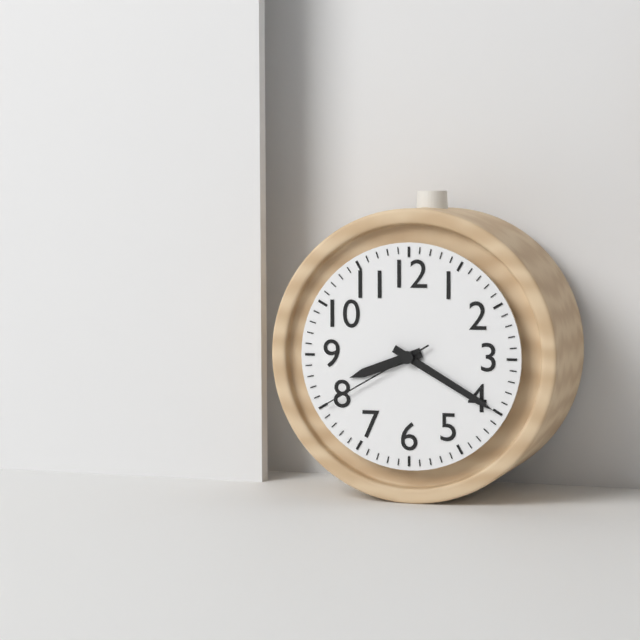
**8:20:40**
